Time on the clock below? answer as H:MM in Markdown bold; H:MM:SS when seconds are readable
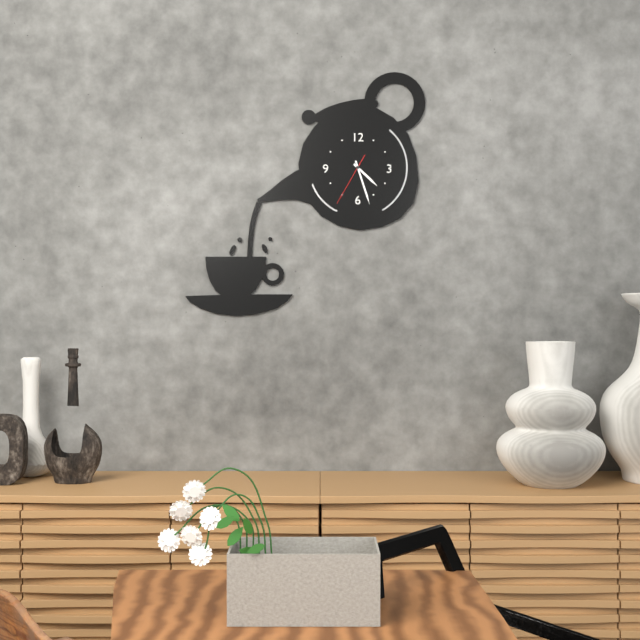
**4:27:35**
